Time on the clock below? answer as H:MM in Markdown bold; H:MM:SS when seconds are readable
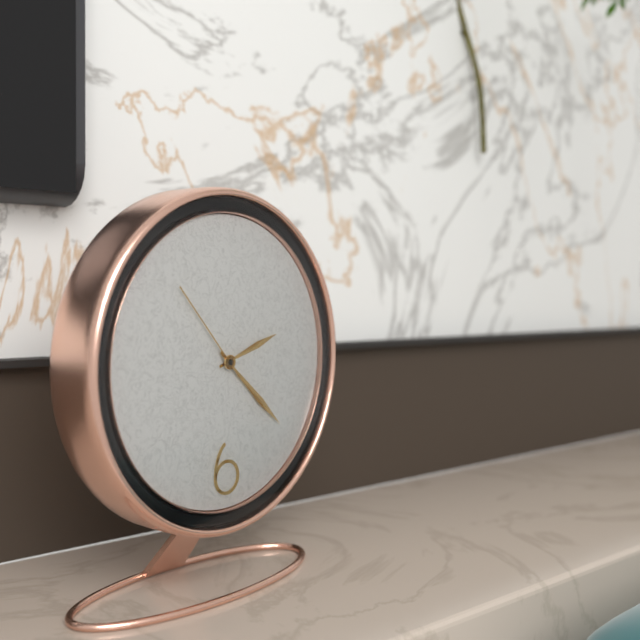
**2:22:53**
